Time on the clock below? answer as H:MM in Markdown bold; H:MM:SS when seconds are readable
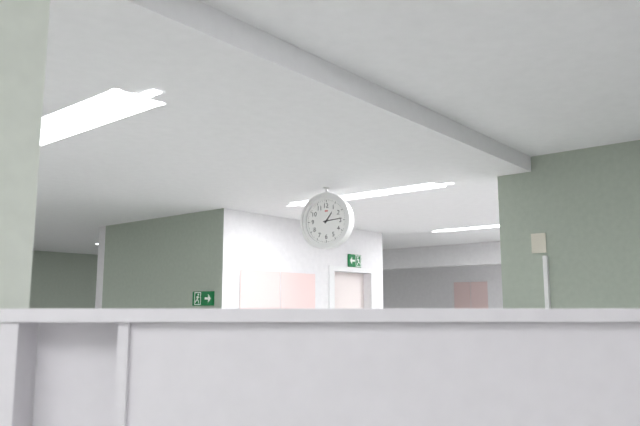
**1:14**
